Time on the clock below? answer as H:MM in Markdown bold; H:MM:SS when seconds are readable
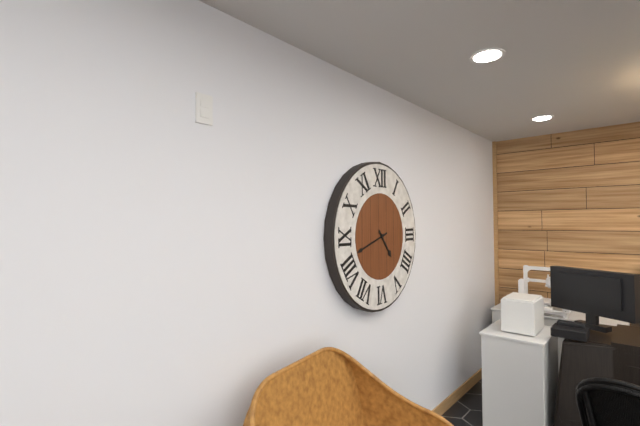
**4:42**
